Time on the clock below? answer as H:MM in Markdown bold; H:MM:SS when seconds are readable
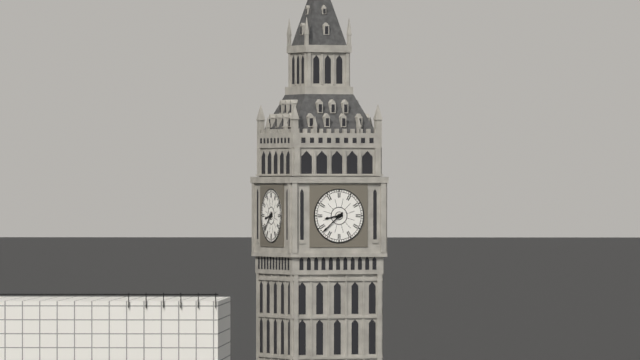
**8:38**
